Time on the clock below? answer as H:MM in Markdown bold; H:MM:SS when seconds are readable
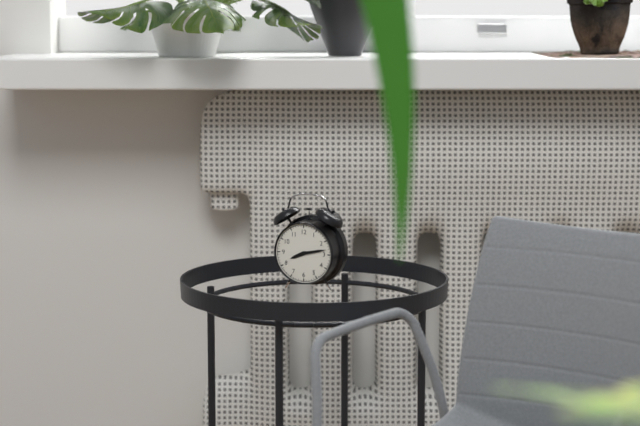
**8:13**
